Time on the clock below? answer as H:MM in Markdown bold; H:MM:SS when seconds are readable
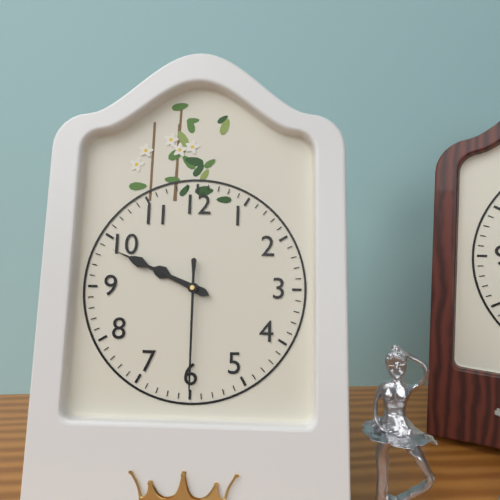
**9:49:30**
